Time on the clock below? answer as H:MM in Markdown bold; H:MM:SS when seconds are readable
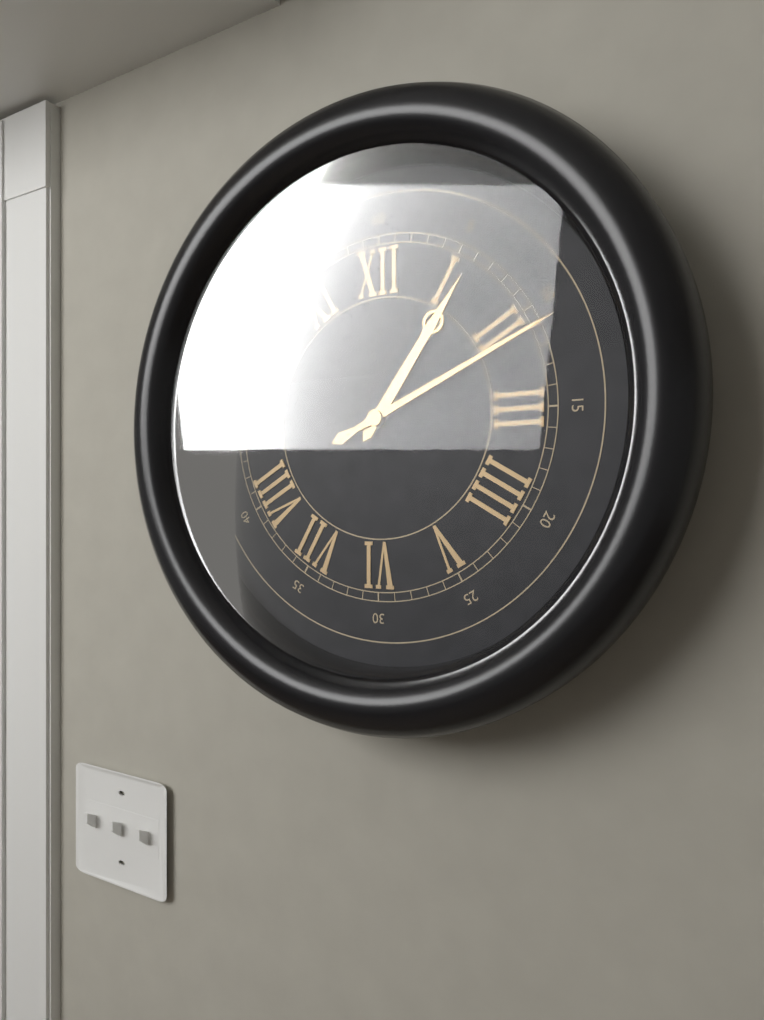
**1:11**
